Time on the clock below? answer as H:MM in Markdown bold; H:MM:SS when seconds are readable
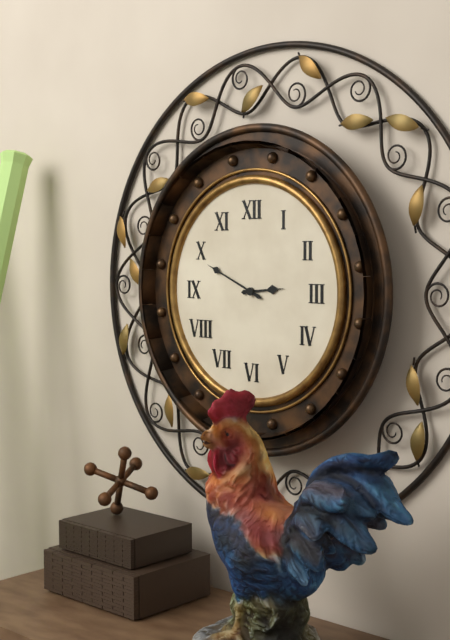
**2:49**
